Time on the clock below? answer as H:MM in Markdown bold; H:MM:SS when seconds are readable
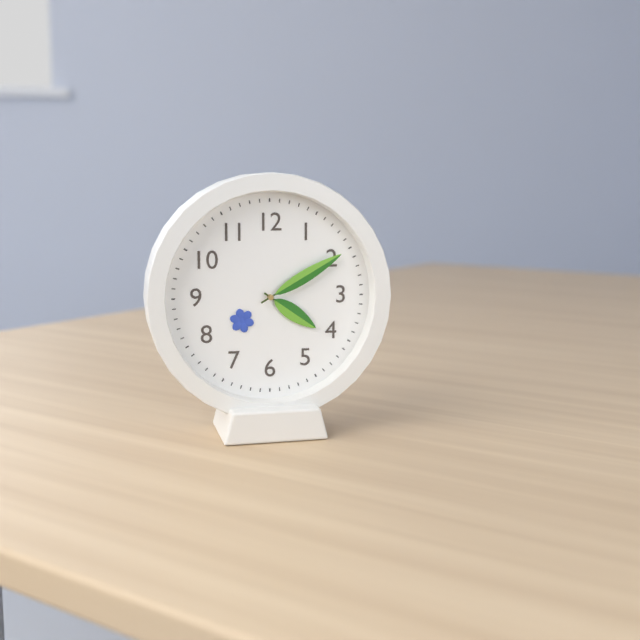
**4:10**
